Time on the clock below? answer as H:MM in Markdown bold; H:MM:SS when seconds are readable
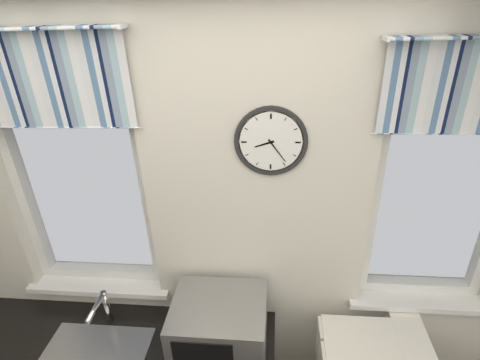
**8:24**
